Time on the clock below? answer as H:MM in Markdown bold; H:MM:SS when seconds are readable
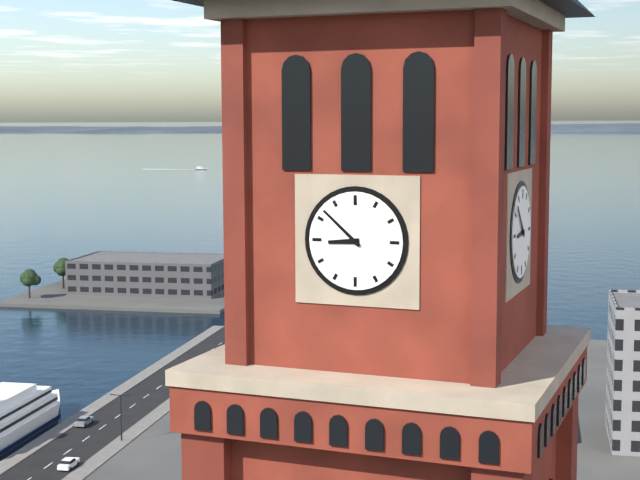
**8:52**
